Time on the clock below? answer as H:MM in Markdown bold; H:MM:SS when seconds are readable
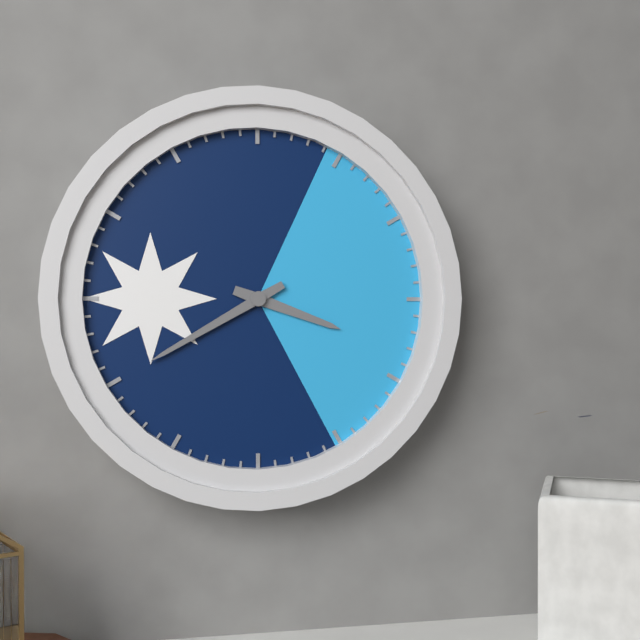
**3:40**
